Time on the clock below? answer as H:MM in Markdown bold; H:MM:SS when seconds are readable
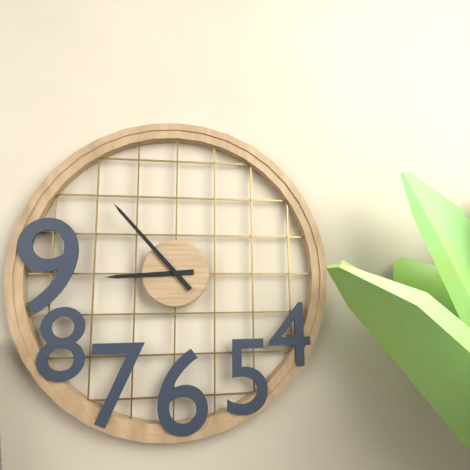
**8:53**
